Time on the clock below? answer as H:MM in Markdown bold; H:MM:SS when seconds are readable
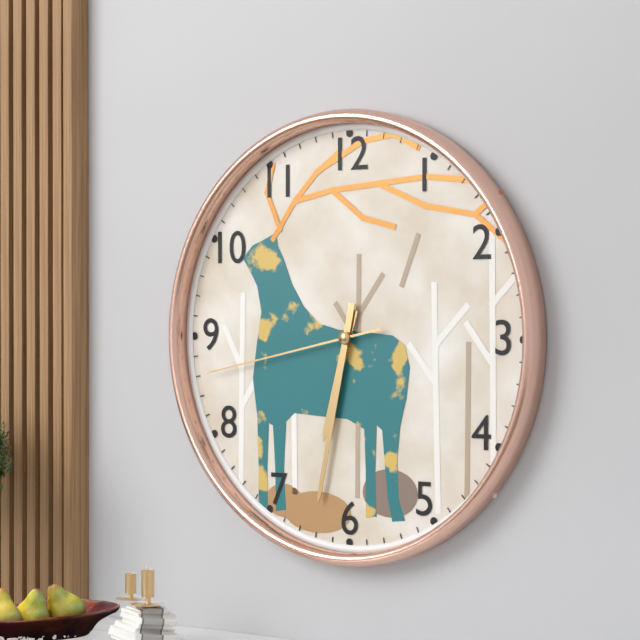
**6:32:43**
